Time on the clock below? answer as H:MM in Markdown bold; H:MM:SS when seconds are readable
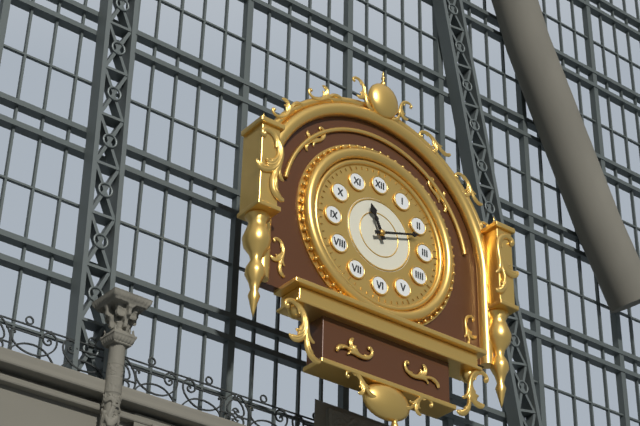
**11:12**
